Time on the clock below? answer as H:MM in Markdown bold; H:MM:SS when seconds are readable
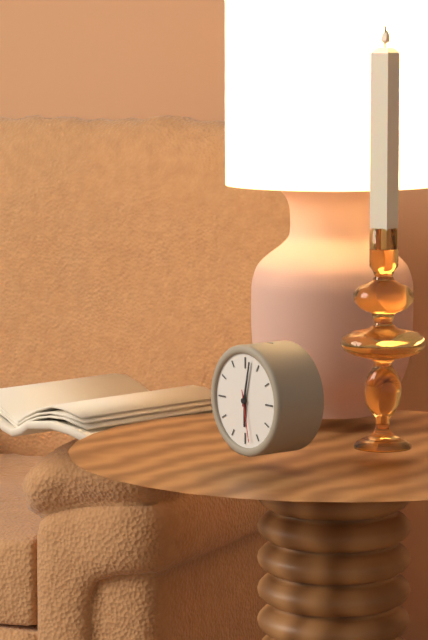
**6:02:28**
